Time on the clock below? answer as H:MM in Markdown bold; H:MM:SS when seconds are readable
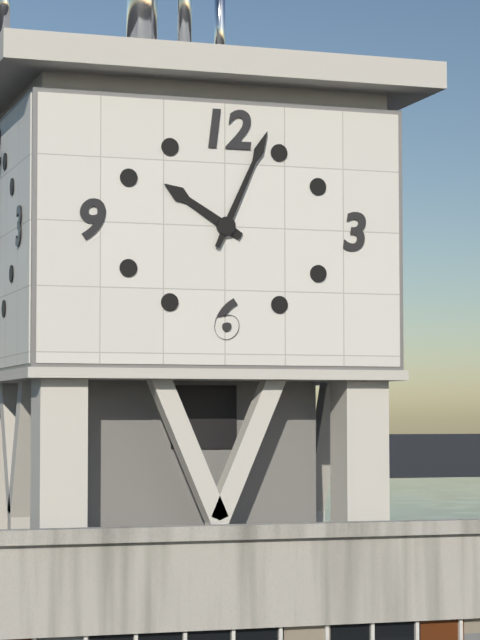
**10:04**
